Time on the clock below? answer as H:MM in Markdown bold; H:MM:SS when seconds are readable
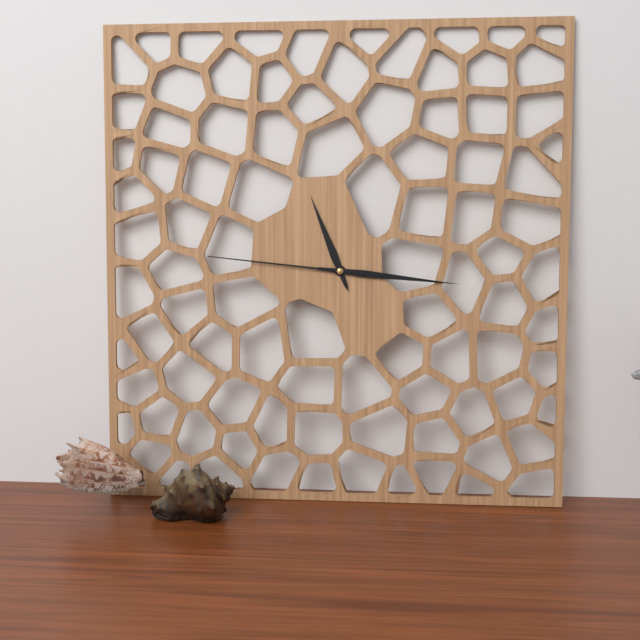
**11:16:46**
